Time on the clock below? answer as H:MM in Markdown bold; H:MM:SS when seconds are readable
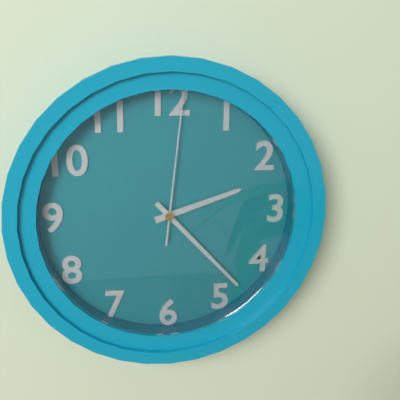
**2:23:01**
